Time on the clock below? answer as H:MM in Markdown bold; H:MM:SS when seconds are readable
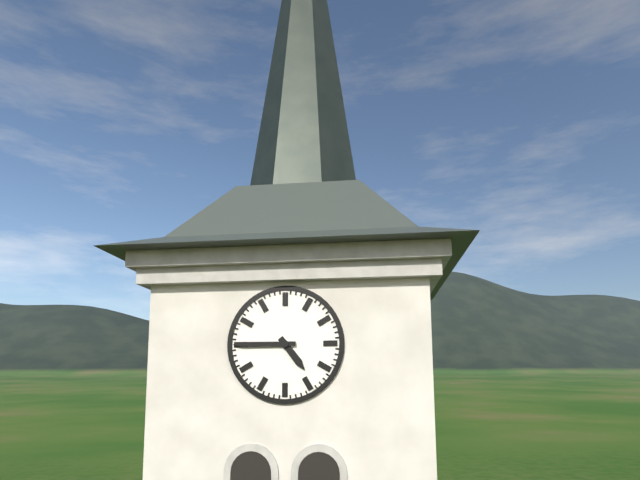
**4:45**
